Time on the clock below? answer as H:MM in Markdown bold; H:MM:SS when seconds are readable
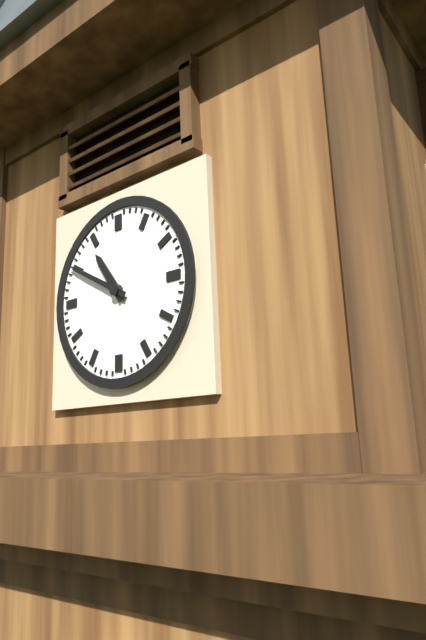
**10:50**
